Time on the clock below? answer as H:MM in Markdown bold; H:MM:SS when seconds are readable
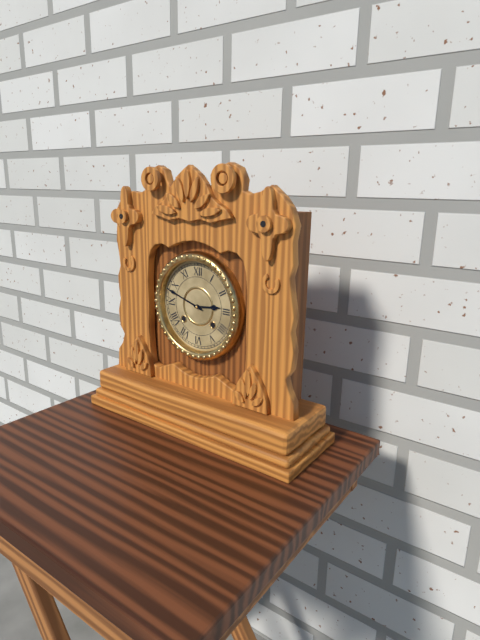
**2:48**
